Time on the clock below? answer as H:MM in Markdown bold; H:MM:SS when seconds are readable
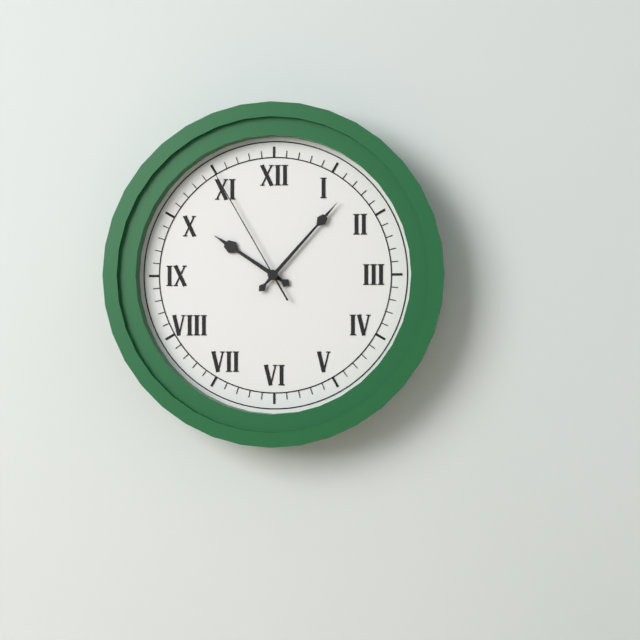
**10:07:55**
